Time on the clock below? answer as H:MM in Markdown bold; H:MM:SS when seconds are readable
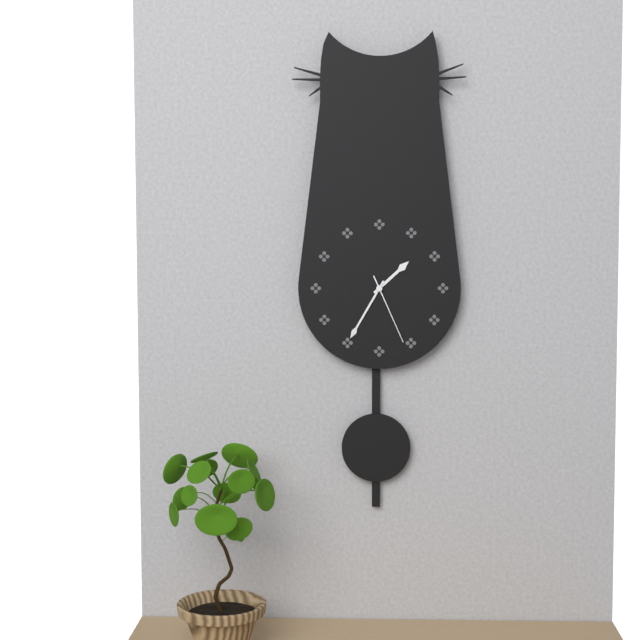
**1:35:26**
